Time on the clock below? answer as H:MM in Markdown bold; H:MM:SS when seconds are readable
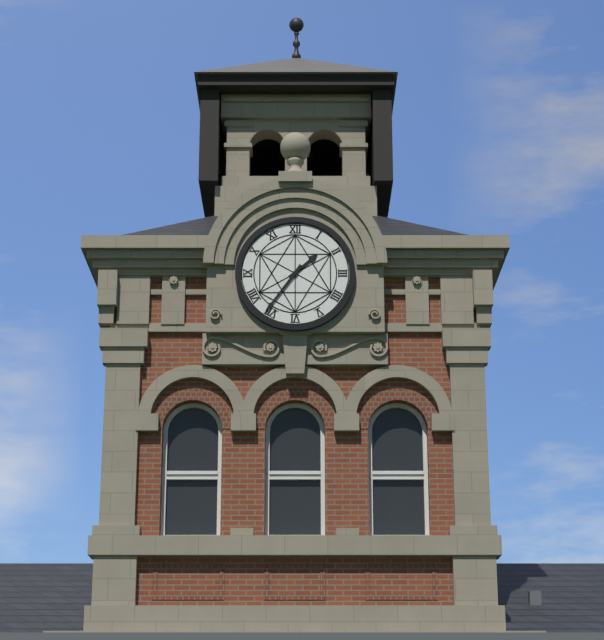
**1:36**
